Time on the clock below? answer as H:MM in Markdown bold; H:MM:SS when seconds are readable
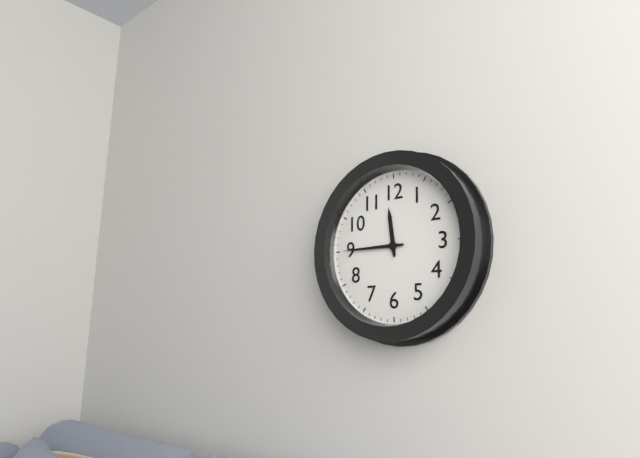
**11:45**
